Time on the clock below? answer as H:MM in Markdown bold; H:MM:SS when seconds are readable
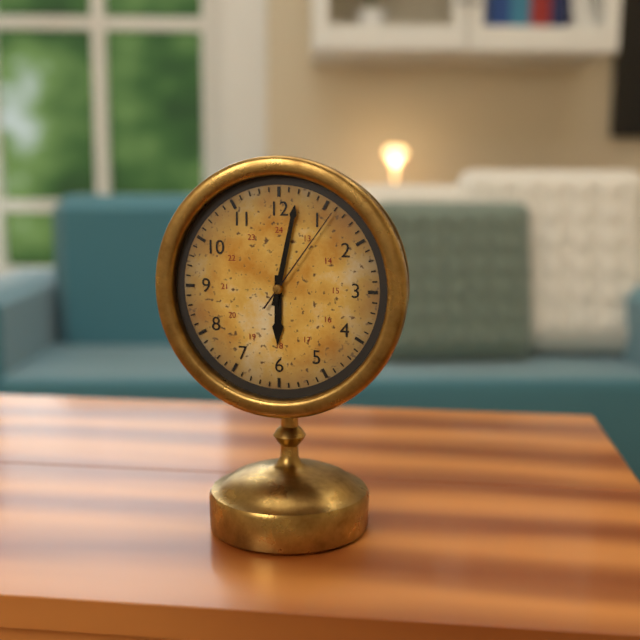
**6:02:06**
